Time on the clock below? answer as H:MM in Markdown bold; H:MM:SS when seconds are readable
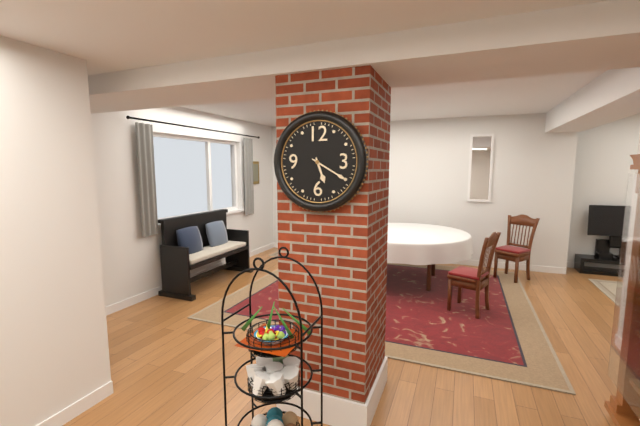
**5:20**
